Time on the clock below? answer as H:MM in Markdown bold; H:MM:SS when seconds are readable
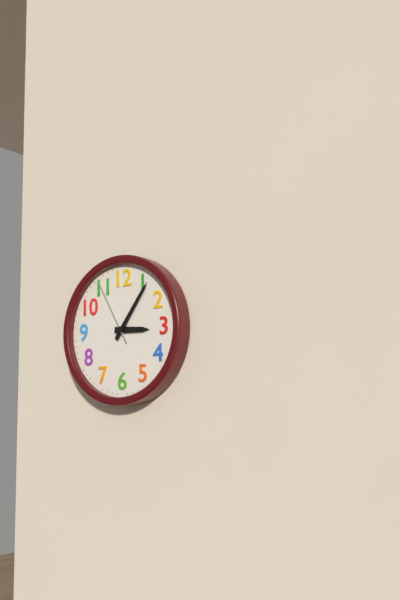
**3:06:55**
